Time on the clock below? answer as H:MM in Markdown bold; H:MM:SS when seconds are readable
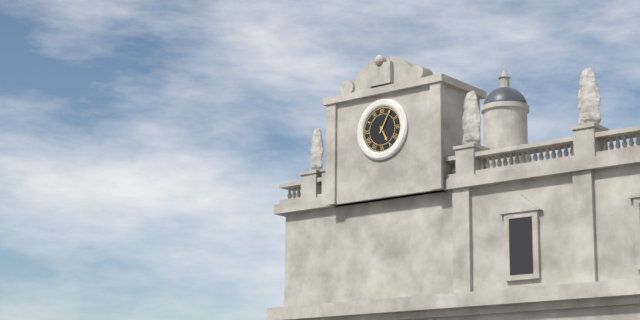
**5:05**
